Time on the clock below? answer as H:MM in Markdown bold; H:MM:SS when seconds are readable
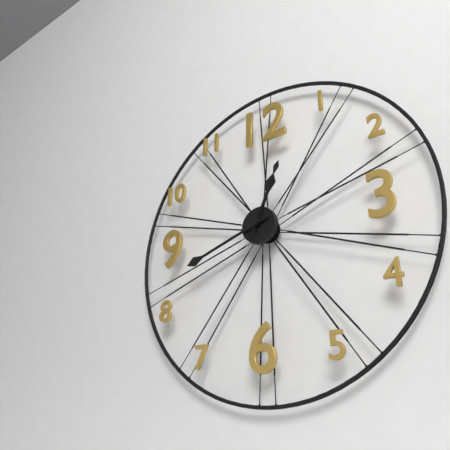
**12:42:04**
